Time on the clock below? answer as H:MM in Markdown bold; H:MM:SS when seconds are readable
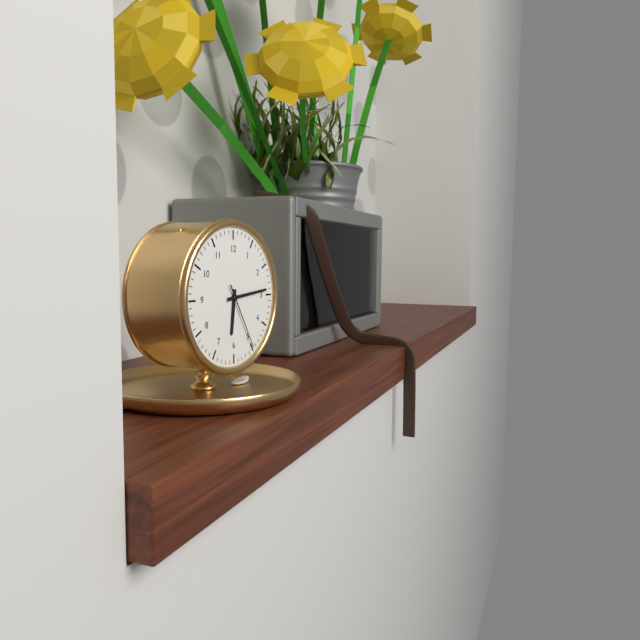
**6:14:25**
